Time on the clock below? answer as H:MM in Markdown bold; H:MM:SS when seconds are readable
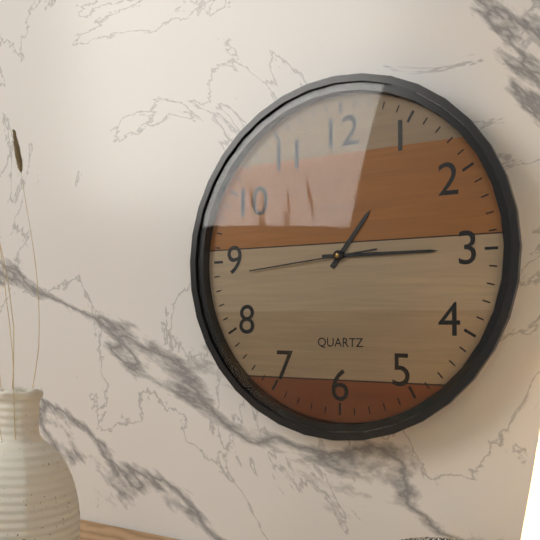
**1:15:44**
